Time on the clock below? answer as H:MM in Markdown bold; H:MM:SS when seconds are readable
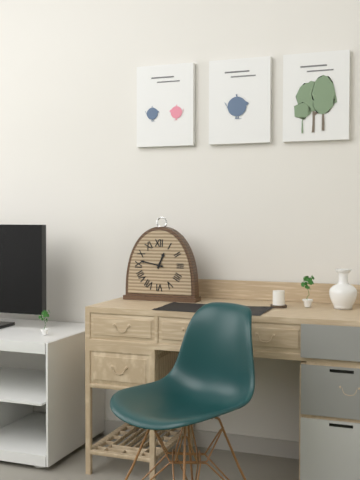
**12:47**
